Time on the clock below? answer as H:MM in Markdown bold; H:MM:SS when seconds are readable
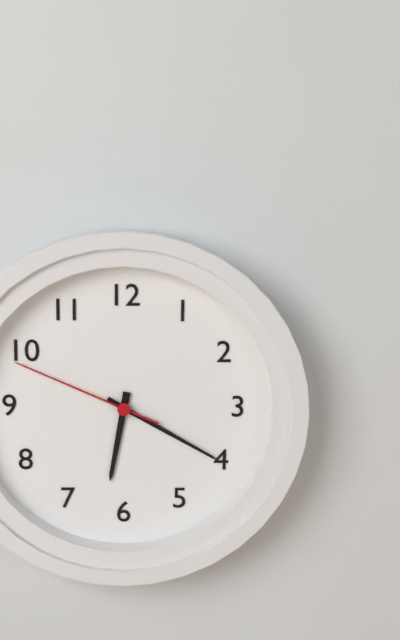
**6:20:49**
